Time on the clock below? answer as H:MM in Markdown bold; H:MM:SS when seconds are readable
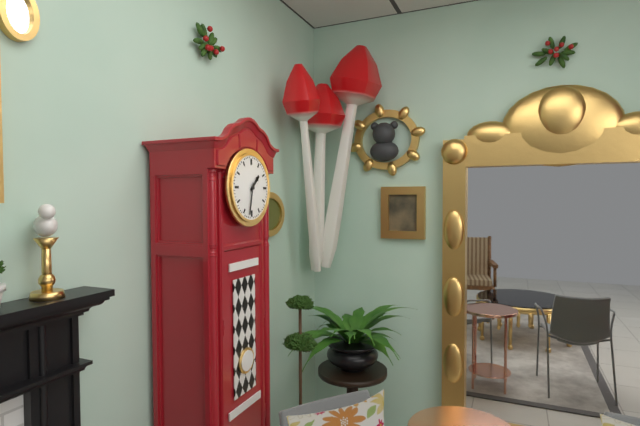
**1:32**
